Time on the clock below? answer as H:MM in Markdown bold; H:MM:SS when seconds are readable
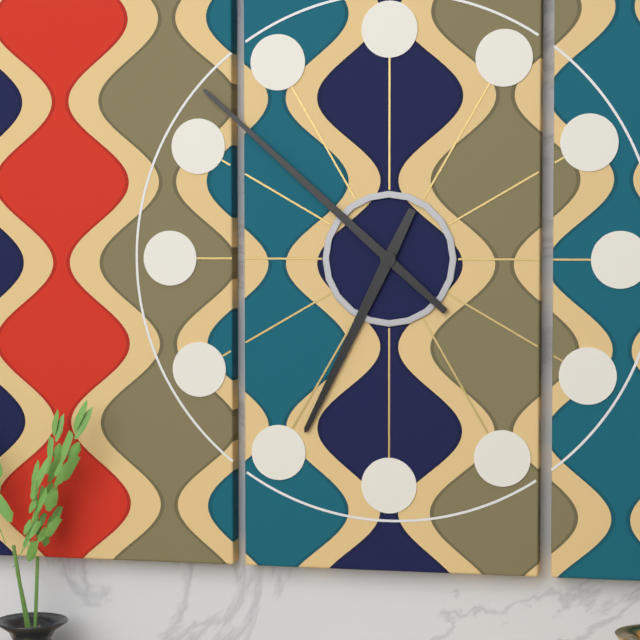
**6:52**
